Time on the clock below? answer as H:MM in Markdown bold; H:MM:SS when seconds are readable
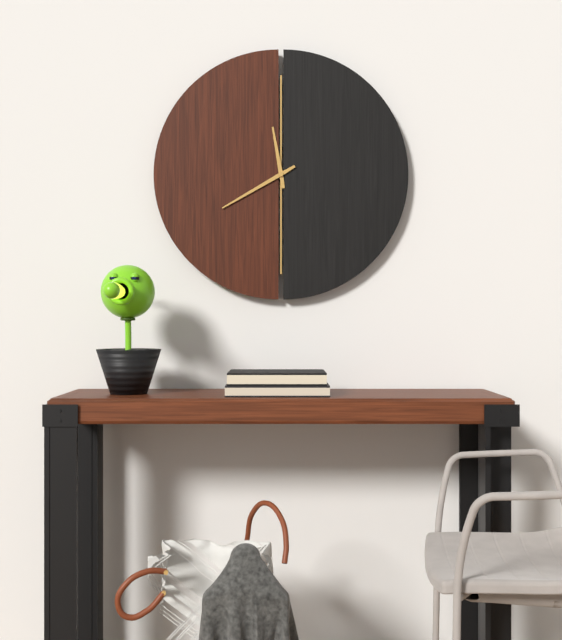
**11:40**
